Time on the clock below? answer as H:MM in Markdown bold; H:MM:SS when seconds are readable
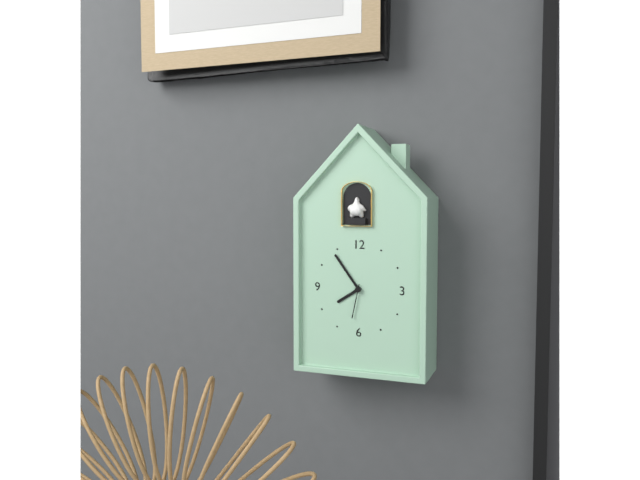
**7:54**
